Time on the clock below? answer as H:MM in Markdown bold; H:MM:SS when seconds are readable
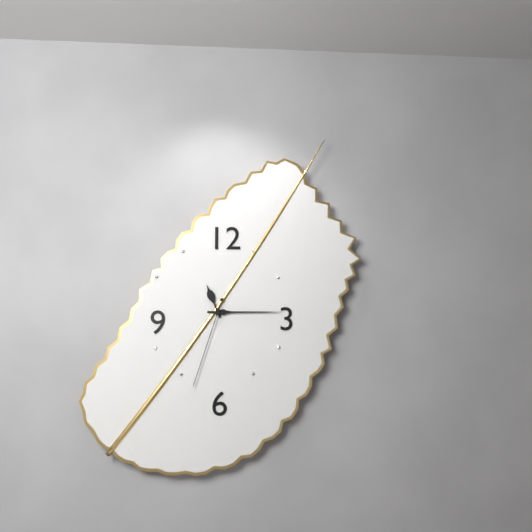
**11:15:33**
